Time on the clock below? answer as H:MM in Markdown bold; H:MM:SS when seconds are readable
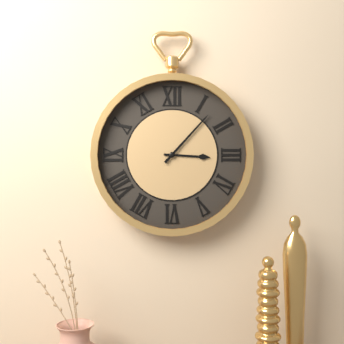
**3:07**
